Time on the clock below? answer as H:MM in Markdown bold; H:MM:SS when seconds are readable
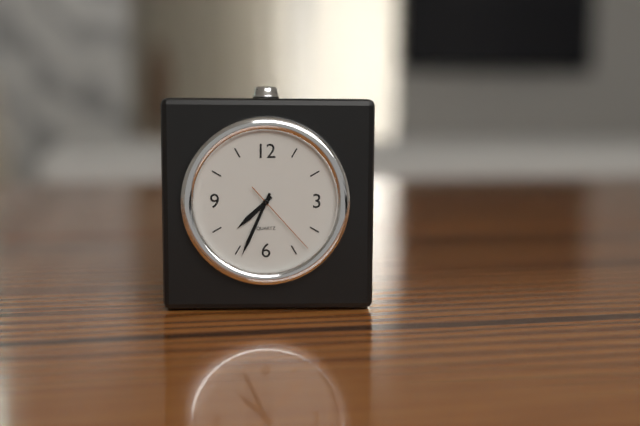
**7:34:23**
